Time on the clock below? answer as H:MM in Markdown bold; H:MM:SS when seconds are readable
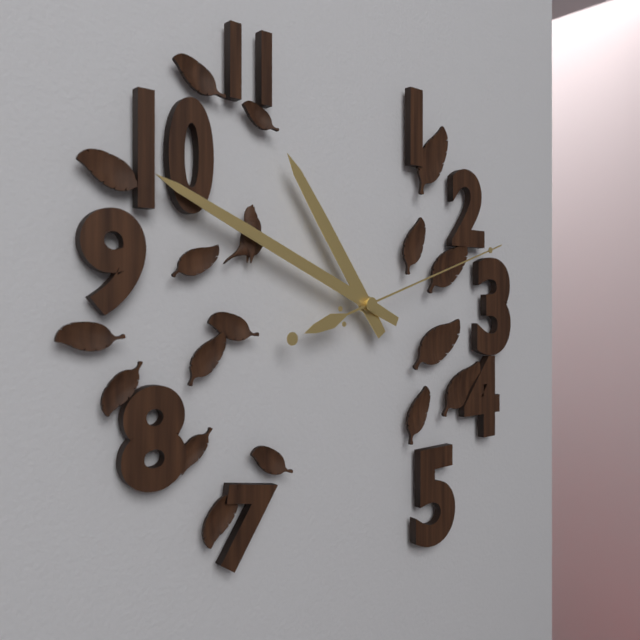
**10:49:12**
